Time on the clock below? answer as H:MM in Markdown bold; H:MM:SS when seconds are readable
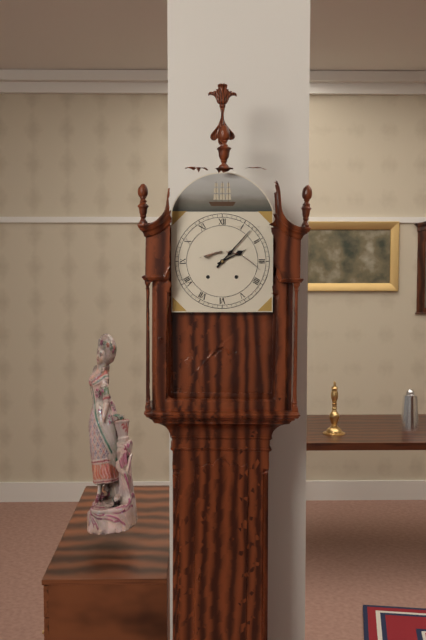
**2:07**
